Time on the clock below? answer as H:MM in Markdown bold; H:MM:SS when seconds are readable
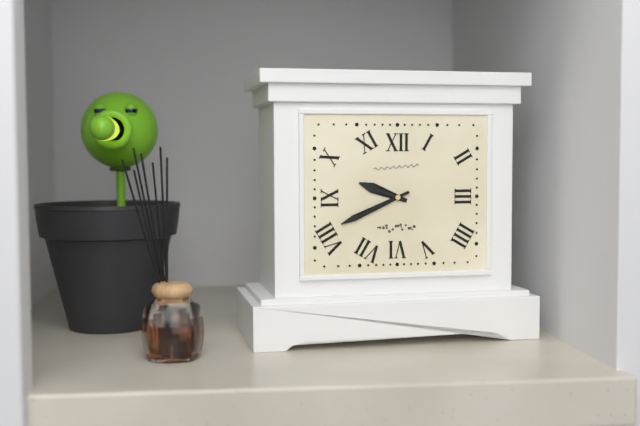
**9:41**
